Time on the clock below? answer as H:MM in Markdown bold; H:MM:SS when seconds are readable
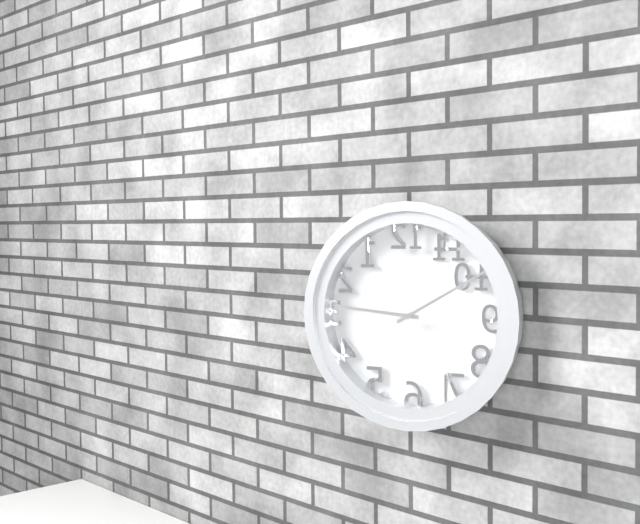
**9:10**
